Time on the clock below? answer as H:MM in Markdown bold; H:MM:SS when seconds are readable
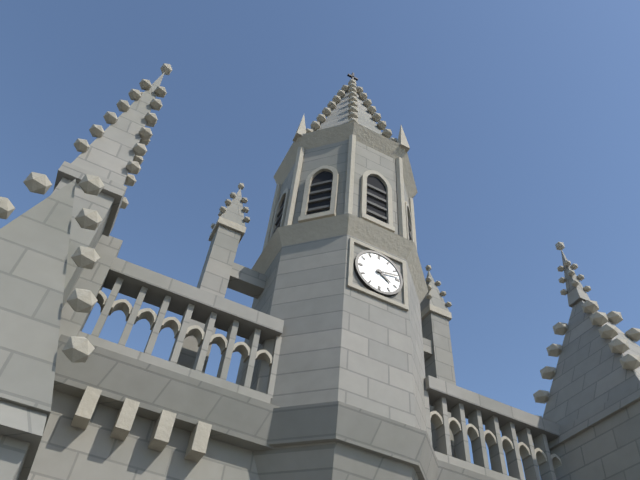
**4:13**
